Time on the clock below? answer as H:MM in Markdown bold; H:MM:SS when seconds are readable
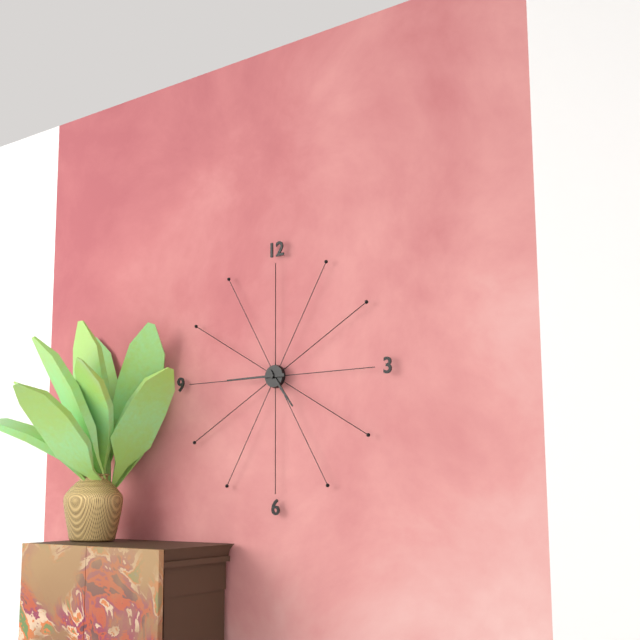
**4:45**
